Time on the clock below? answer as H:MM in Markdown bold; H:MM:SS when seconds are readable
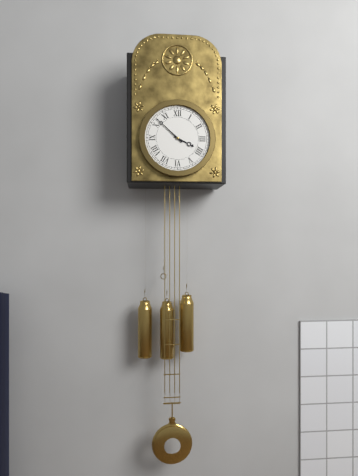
**3:52**
